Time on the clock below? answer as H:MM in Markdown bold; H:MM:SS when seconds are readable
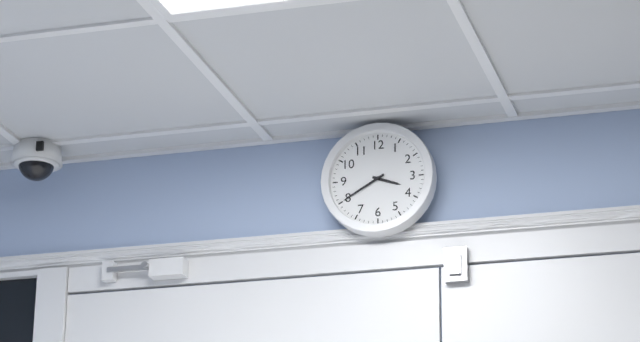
**3:40**
